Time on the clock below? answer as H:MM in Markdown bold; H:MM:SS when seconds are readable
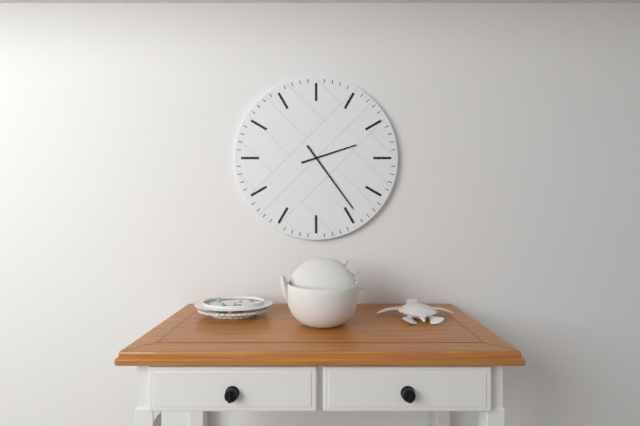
**2:24**
